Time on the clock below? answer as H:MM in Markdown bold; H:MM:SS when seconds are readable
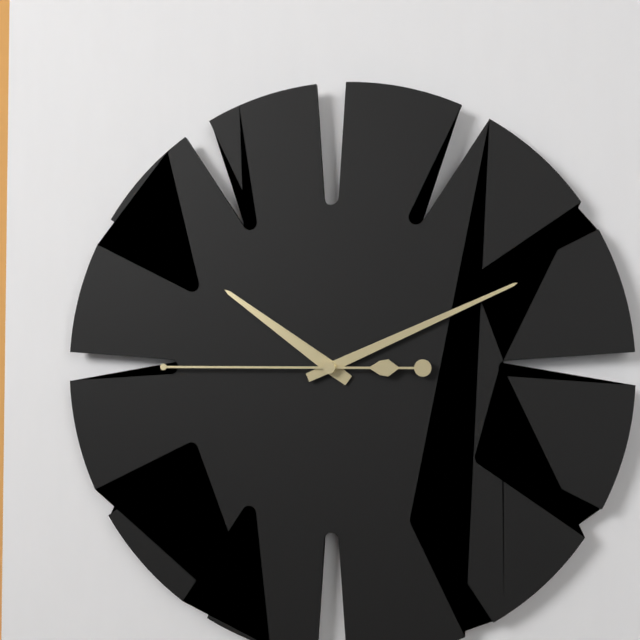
**10:11:45**
